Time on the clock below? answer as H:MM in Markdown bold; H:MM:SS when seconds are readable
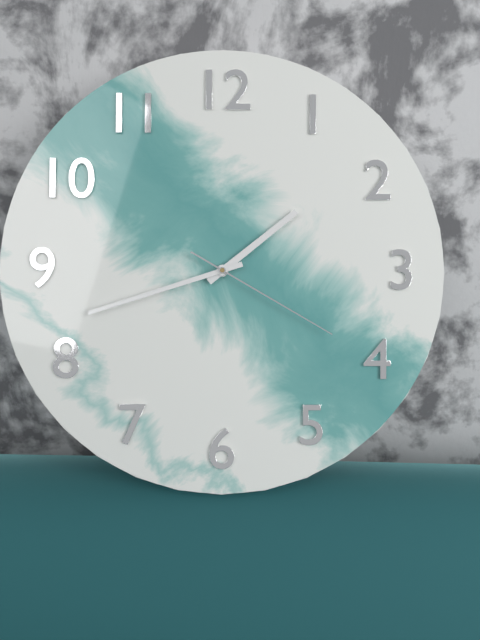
**1:42:20**
